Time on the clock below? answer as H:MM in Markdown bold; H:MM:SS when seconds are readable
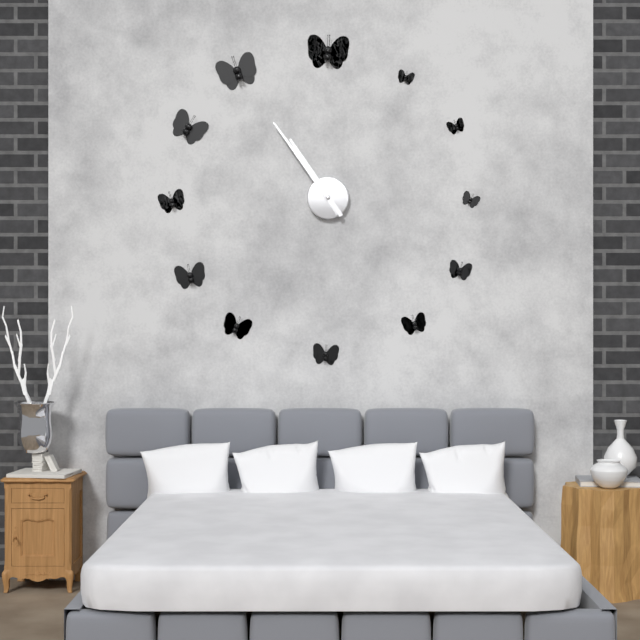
**10:54**
